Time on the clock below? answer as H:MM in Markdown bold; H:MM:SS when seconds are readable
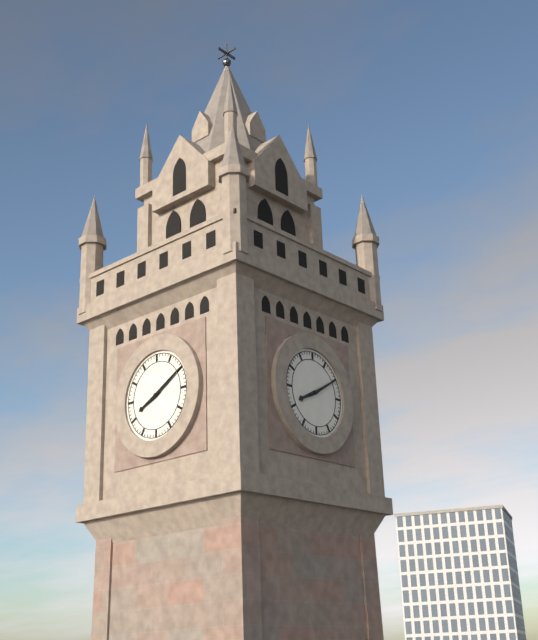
**8:10**
